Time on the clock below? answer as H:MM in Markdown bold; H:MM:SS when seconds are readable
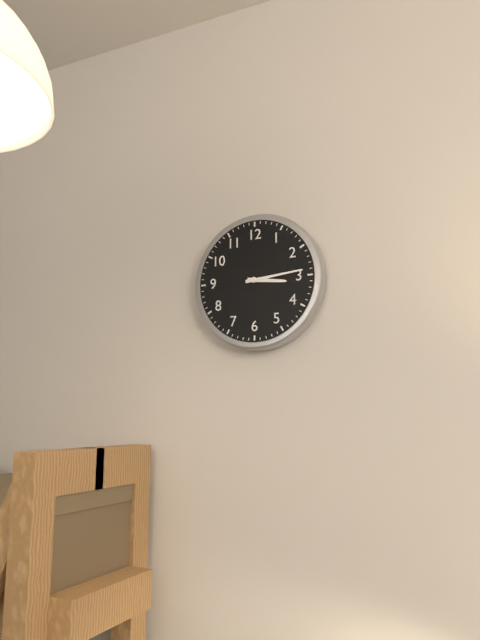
**3:14**
